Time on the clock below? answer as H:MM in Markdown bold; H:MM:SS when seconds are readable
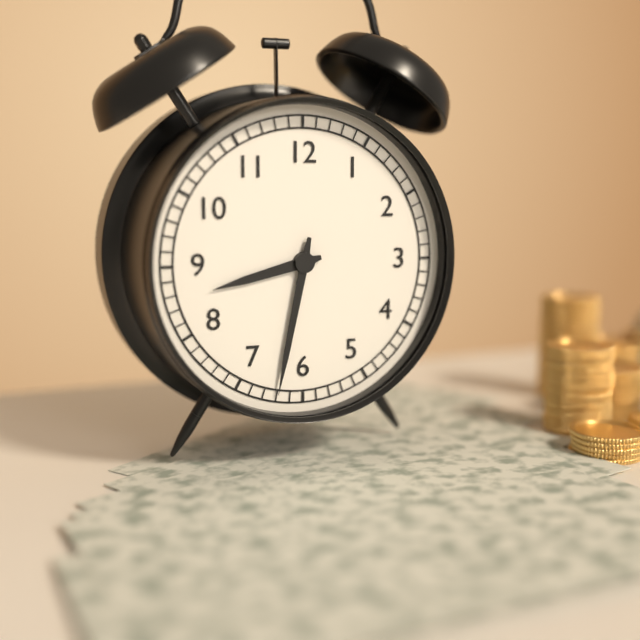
**8:32**
